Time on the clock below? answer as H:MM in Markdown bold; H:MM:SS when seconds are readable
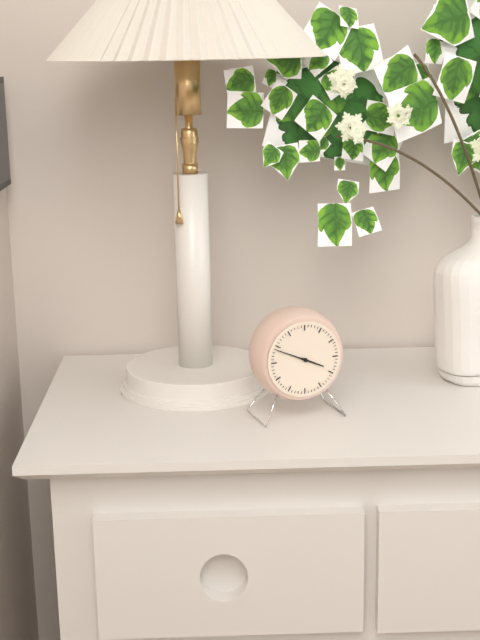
**3:49**
